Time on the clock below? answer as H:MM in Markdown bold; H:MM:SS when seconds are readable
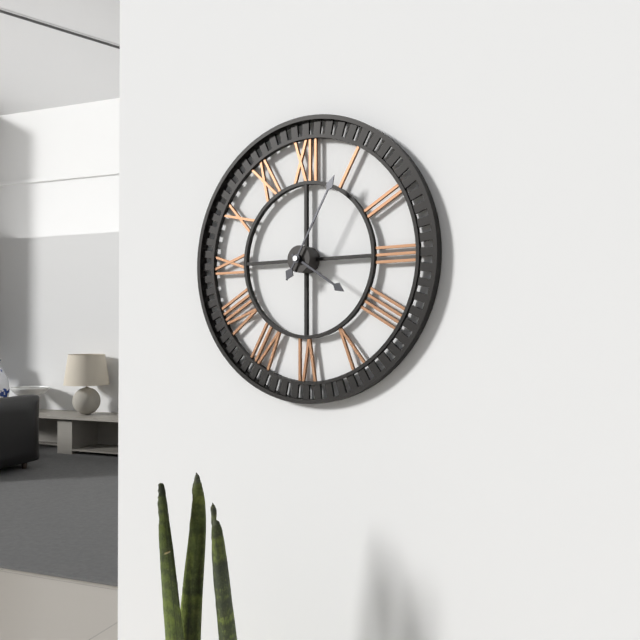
**4:05**
